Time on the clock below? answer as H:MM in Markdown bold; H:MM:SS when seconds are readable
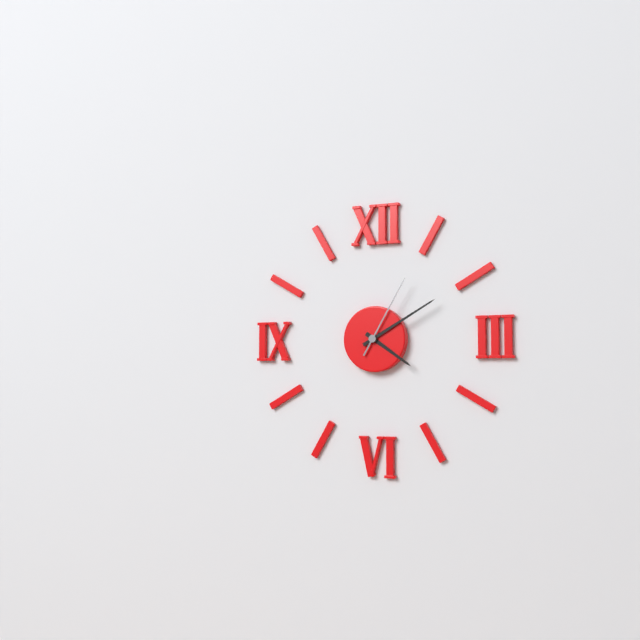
**4:10:05**
